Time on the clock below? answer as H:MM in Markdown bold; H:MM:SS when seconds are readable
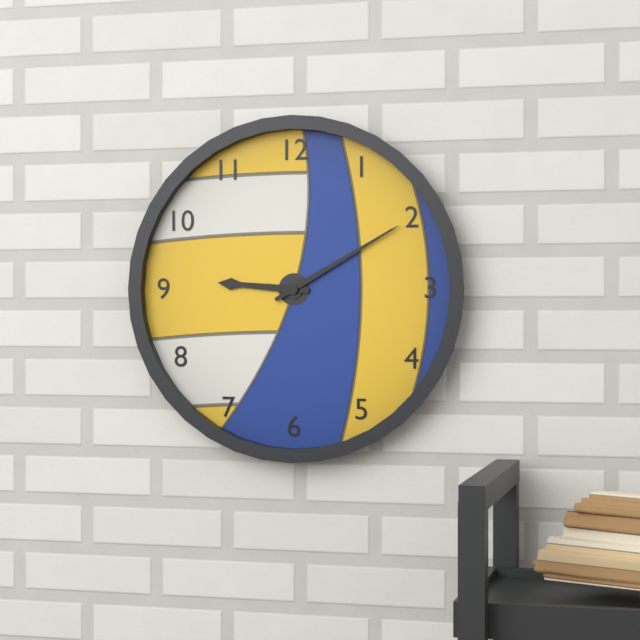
**9:10**
